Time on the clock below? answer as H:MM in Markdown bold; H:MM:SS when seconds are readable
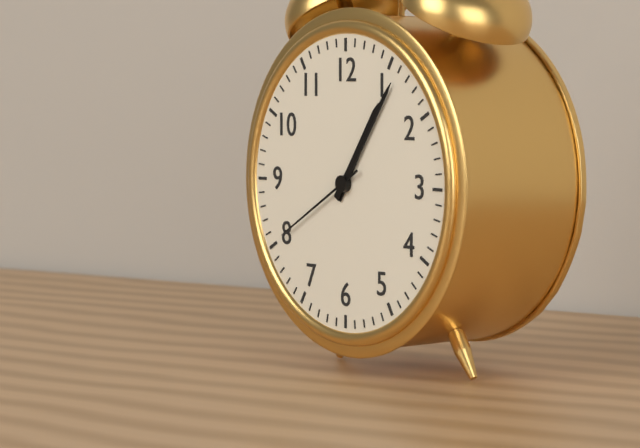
**1:06:40**
